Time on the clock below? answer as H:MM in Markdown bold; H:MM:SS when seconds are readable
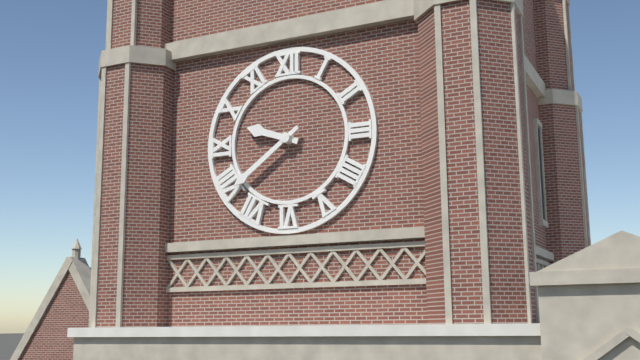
**9:39**
